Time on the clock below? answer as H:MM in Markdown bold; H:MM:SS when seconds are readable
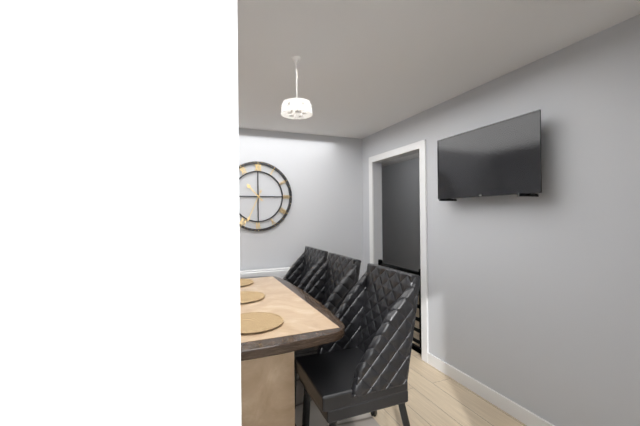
**10:34**
